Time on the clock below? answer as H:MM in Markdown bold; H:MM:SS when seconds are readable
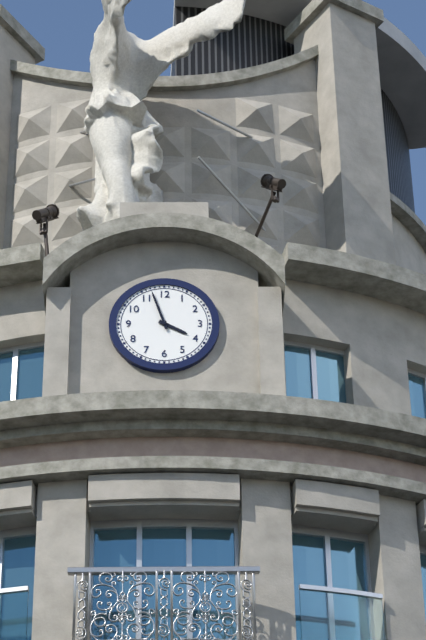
**3:57**
